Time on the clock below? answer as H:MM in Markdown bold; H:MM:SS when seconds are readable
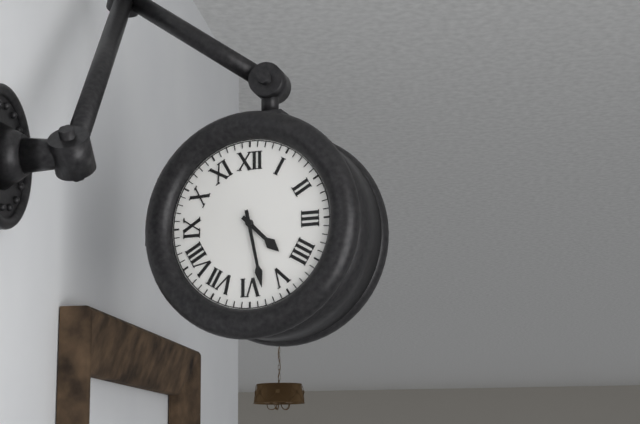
**4:28**
